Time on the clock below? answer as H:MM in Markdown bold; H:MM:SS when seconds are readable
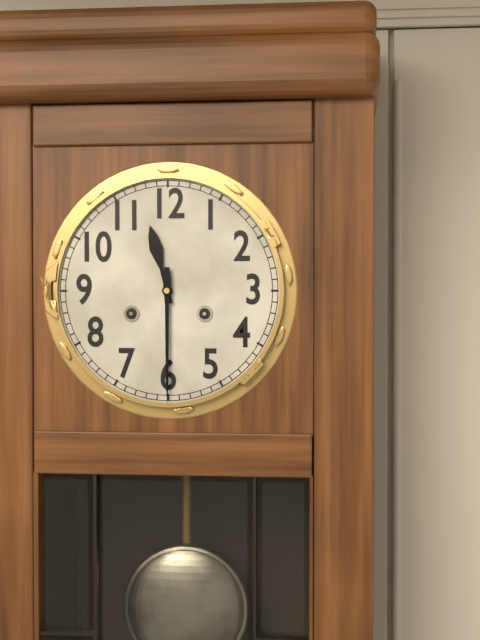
**11:30**
